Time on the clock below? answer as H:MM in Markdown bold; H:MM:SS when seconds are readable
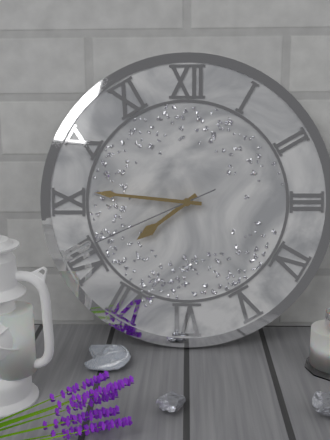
**7:46:41**
